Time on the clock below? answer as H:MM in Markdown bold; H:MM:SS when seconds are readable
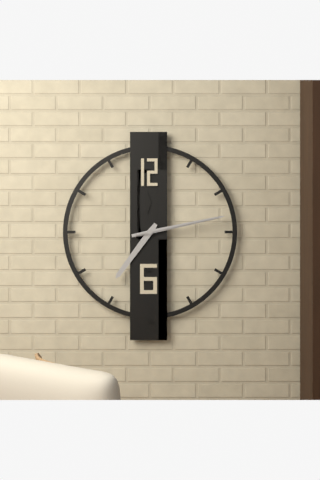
**7:13:13**
